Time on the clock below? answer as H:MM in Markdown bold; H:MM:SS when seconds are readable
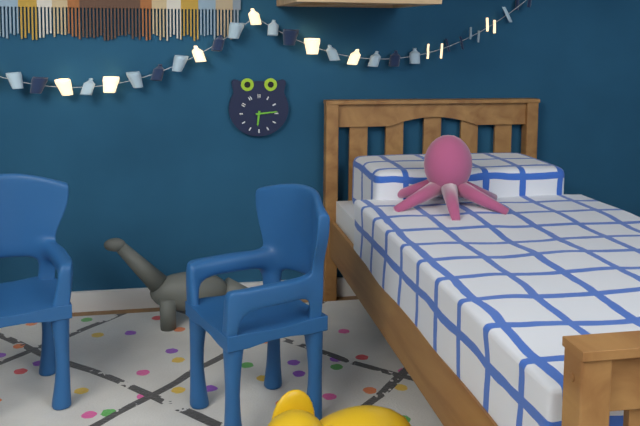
**6:14**
